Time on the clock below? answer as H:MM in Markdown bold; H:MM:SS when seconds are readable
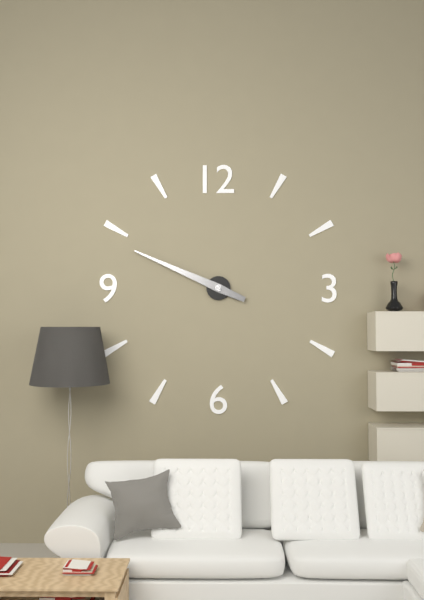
**9:49**
